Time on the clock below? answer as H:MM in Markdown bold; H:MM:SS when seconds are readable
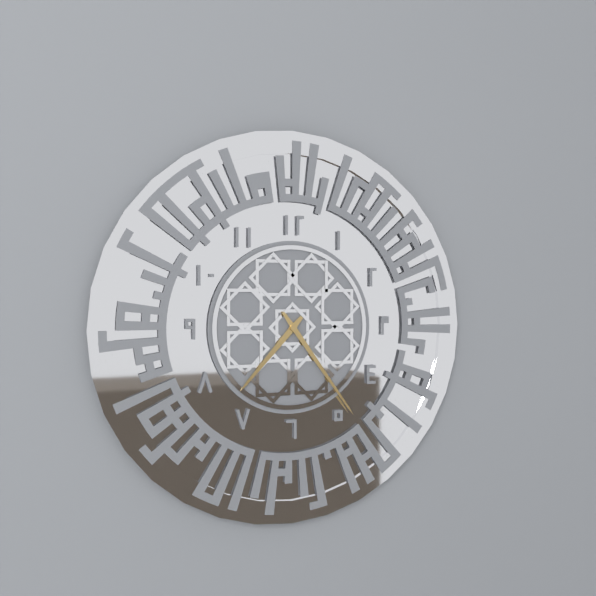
**7:24**
